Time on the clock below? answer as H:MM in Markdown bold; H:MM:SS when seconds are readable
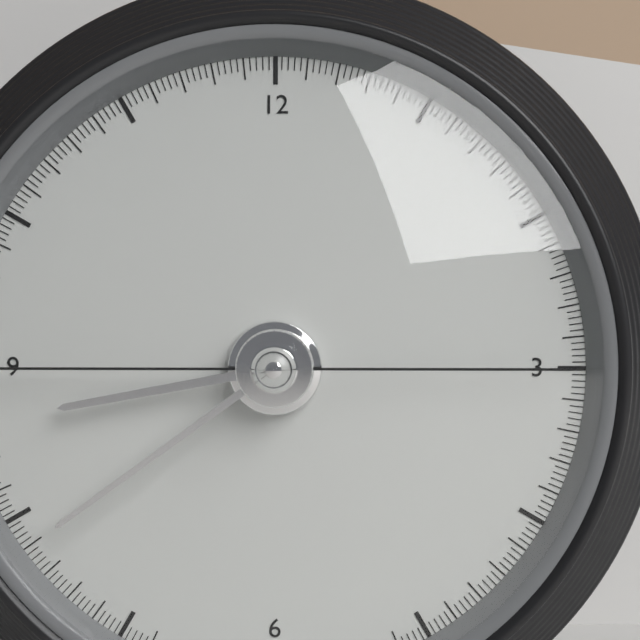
**8:39:45**
